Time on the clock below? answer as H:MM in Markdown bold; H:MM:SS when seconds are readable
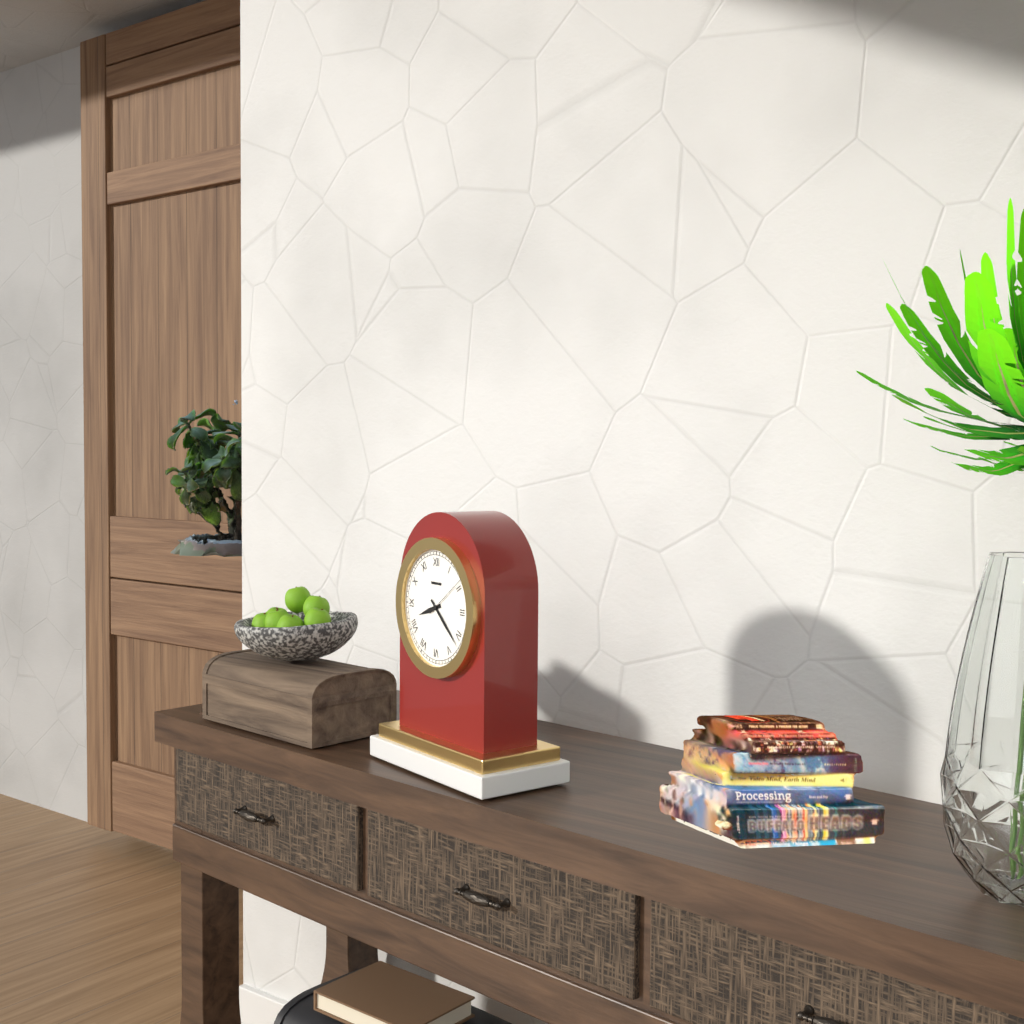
**8:22**
